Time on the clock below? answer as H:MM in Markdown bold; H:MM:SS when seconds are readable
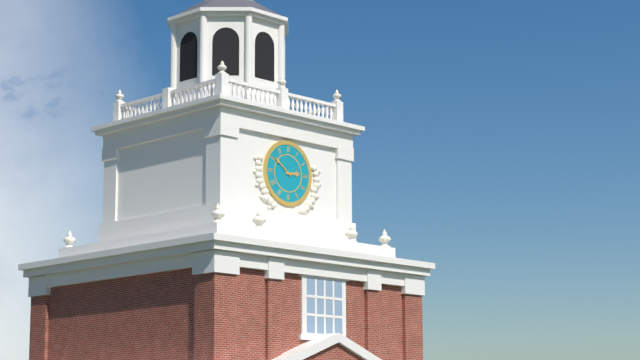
**2:51**
